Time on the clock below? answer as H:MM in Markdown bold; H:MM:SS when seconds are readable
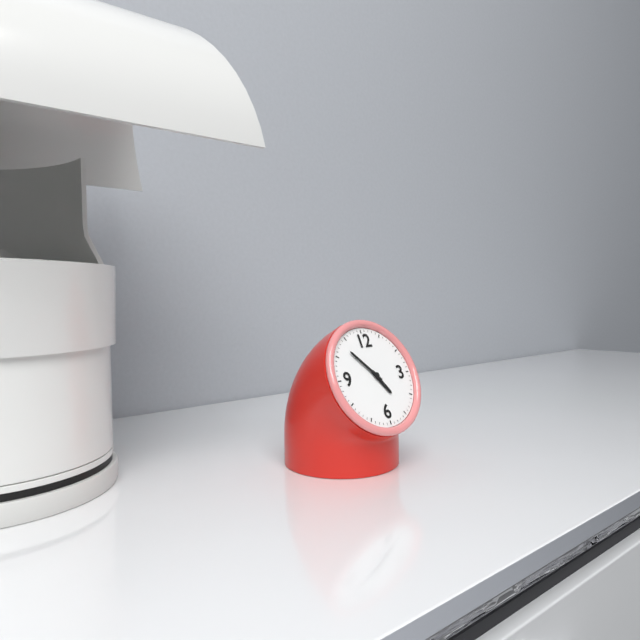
**4:53**
